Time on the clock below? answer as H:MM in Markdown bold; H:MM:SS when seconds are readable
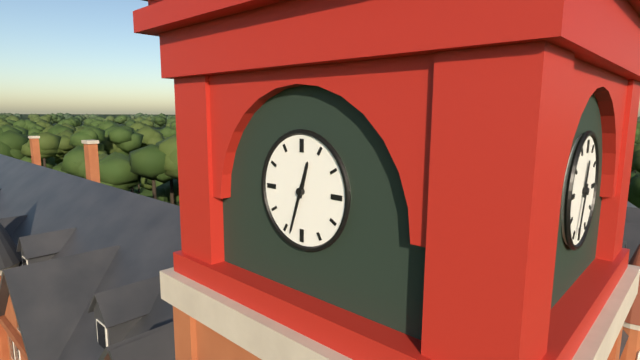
**12:33**
